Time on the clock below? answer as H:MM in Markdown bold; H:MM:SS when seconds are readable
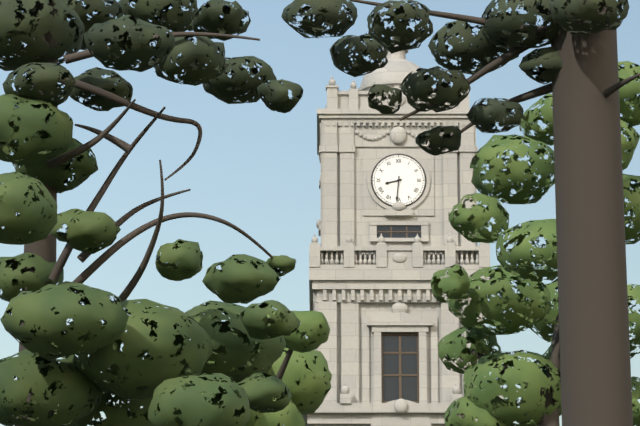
**8:31**
